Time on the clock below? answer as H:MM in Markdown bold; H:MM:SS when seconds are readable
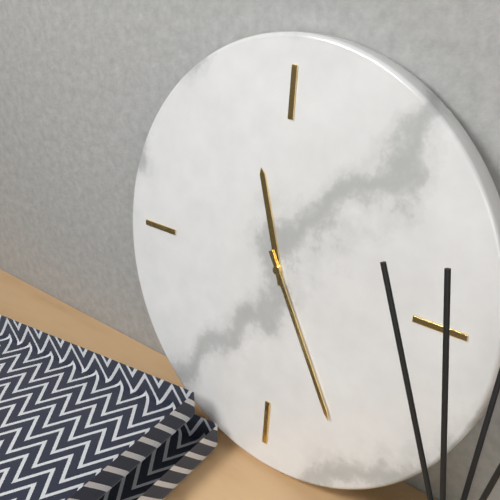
**11:25**
